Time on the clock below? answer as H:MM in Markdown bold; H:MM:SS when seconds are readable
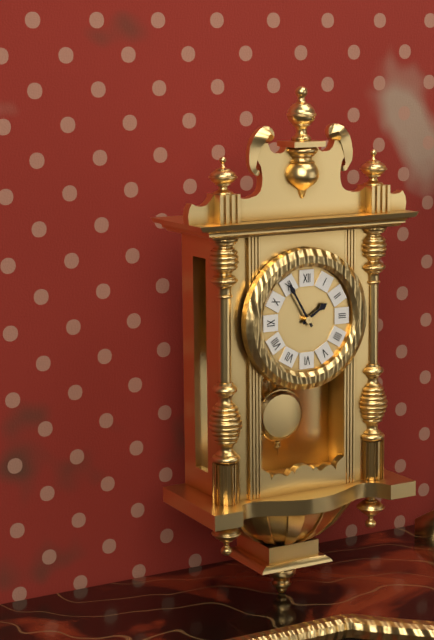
**1:55**
